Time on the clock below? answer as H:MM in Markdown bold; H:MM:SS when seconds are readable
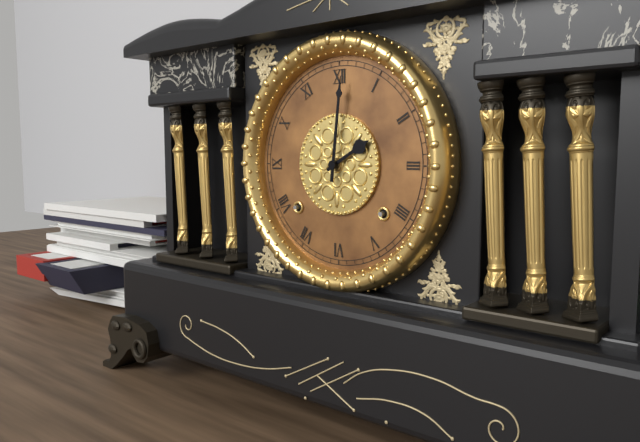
**2:01**
